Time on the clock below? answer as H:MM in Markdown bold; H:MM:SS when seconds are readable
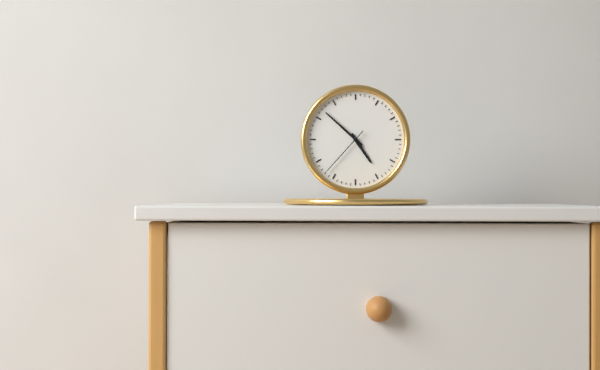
**4:52:37**
